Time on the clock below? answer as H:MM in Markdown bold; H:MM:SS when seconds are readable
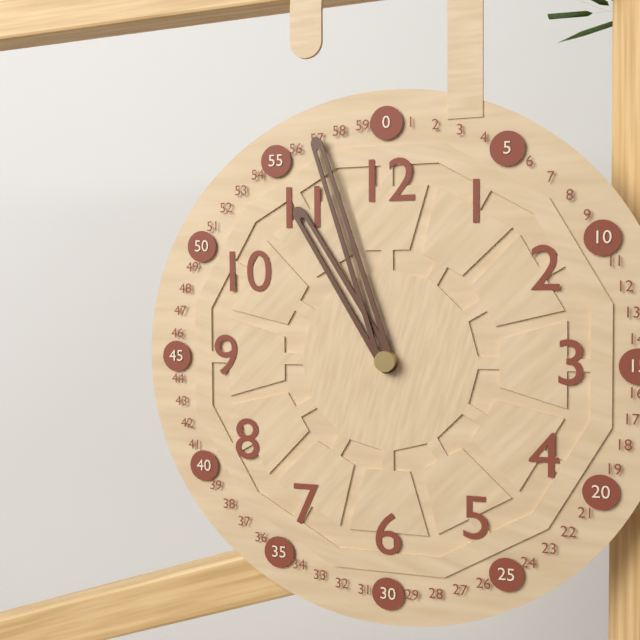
**10:57**
